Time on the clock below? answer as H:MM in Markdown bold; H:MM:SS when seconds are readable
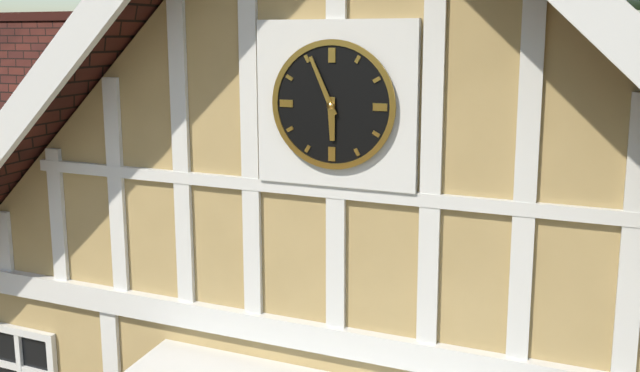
**5:56**
